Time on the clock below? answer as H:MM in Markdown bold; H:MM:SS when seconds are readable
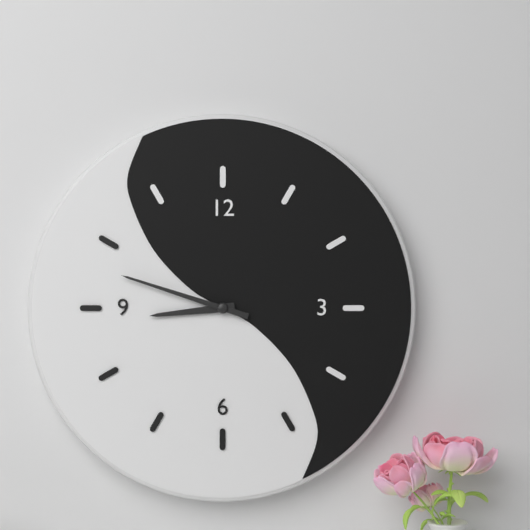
**8:48**
